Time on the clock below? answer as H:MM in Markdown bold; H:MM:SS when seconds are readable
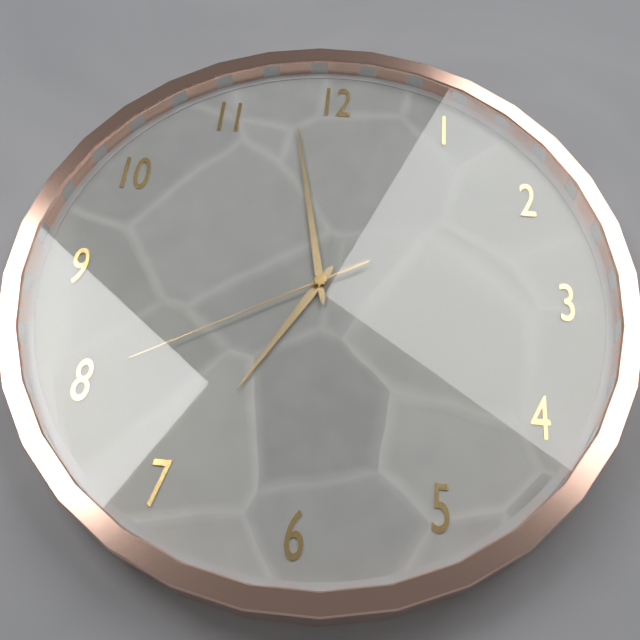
**6:58:40**
